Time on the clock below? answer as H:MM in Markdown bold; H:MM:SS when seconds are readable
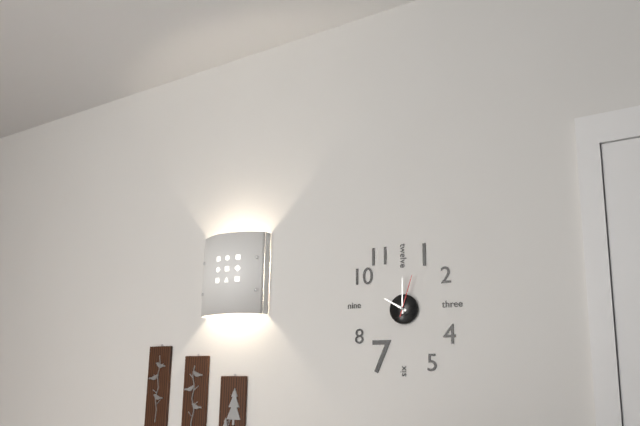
**10:00**
